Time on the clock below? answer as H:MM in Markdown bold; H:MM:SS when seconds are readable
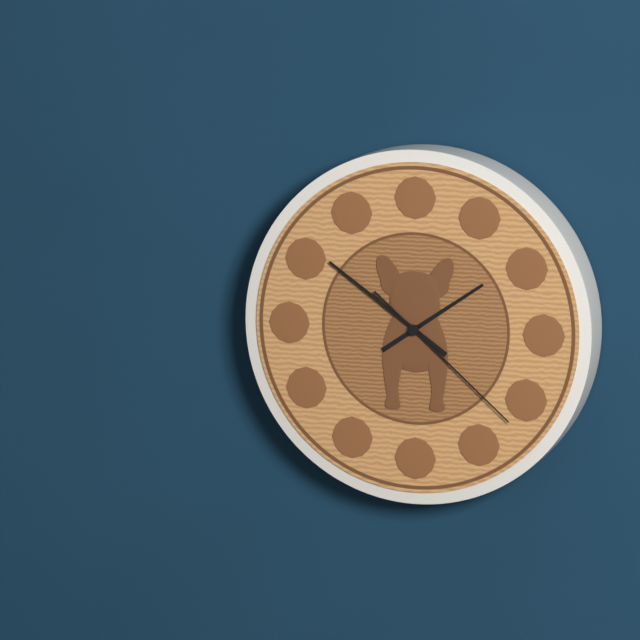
**1:51:22**
